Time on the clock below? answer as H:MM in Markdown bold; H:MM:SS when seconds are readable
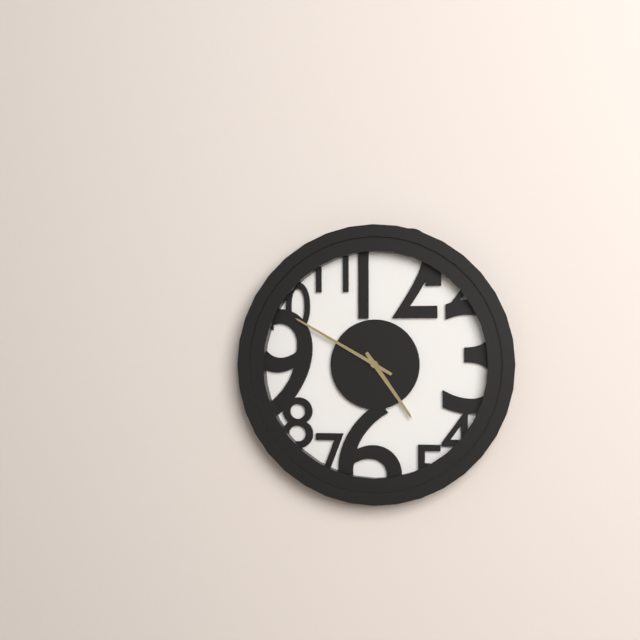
**4:50**
